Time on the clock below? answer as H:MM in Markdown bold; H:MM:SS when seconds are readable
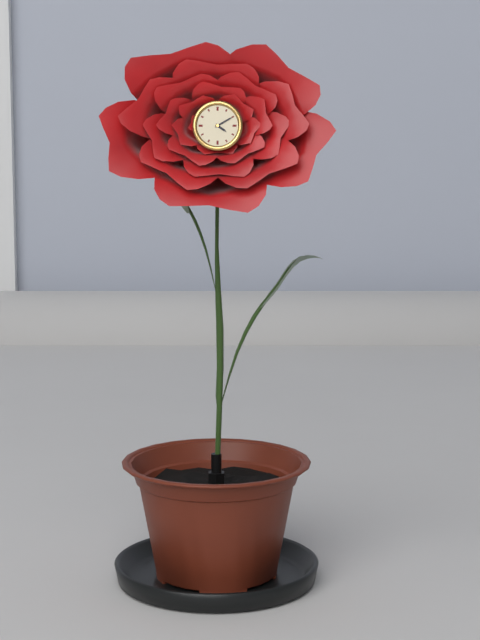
**4:10**
